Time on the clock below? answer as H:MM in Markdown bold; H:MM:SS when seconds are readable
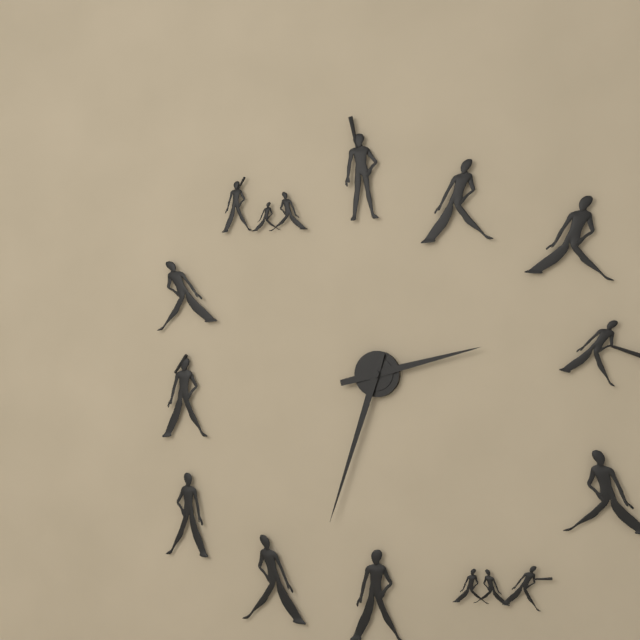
**2:33**
